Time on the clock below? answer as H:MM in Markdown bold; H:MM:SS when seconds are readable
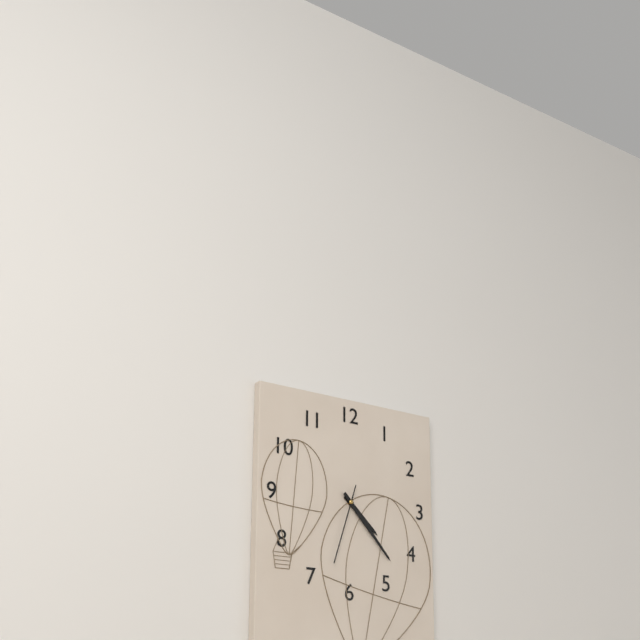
**4:23:33**
